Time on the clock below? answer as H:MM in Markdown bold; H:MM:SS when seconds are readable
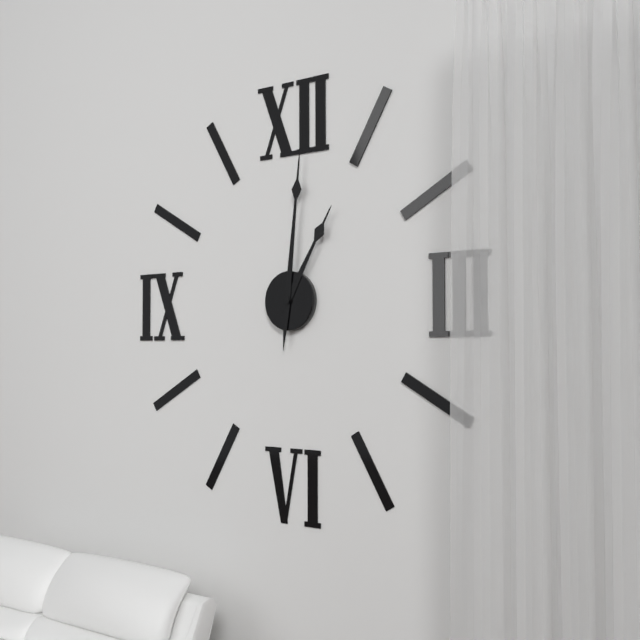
**1:01**
